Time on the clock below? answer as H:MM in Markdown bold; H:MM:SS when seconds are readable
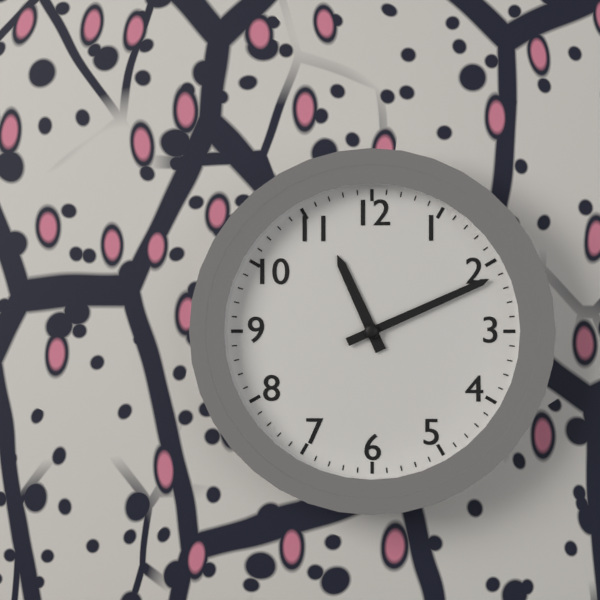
**11:11**
